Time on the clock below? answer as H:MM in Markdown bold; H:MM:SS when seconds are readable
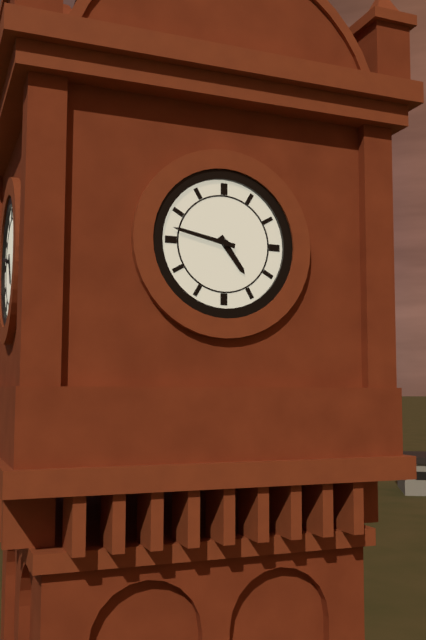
**4:47**
